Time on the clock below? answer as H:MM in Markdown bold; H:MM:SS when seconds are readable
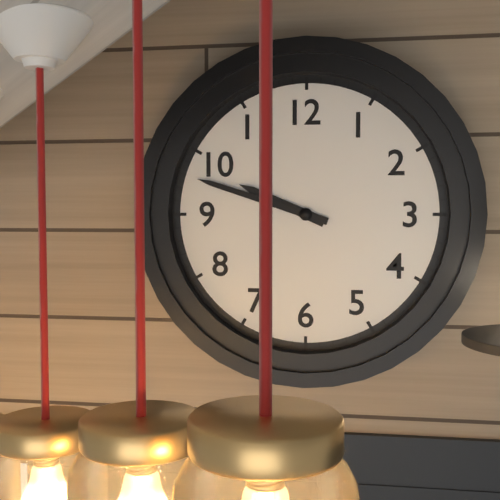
**9:48**
